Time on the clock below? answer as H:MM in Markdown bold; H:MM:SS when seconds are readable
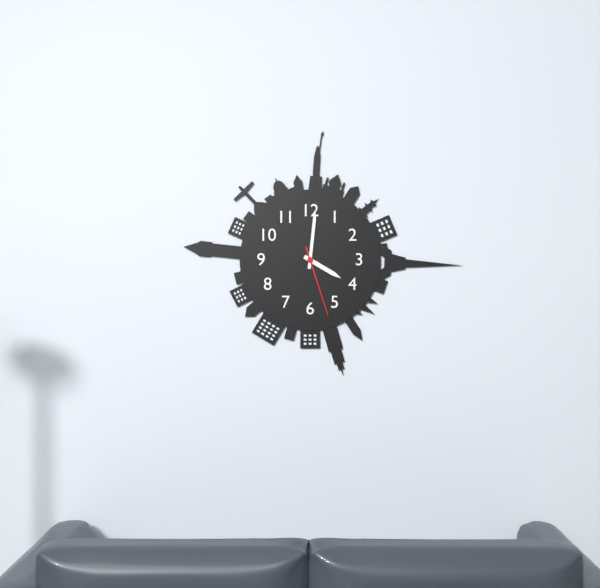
**4:01:27**
